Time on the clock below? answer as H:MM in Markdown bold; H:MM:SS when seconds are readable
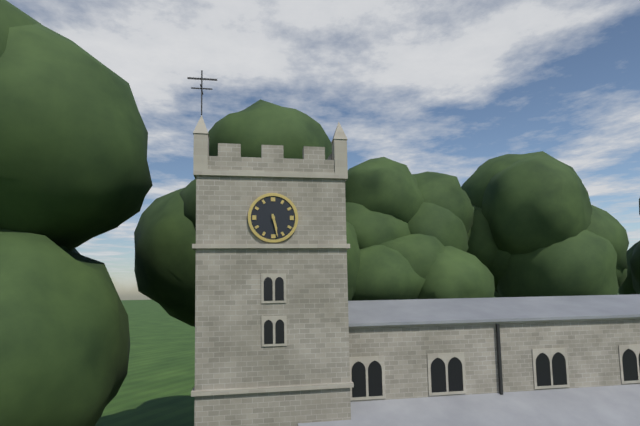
**5:28**
